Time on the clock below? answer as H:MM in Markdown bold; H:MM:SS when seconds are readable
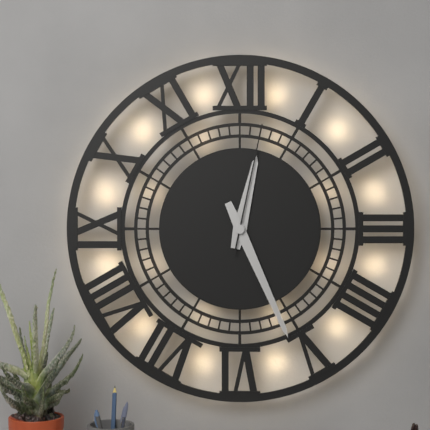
**12:26:02**
